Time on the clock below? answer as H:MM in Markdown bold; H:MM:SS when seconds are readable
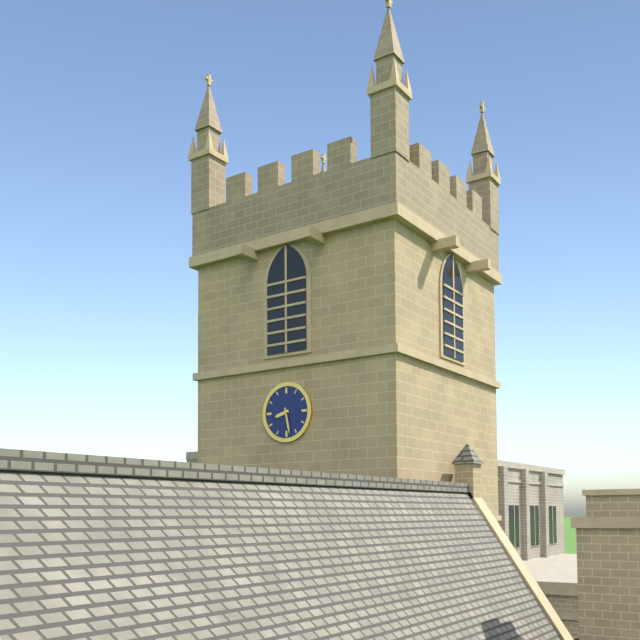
**8:28**
